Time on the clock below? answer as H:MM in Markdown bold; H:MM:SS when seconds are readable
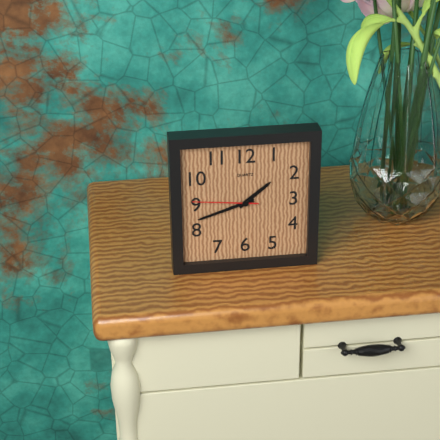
**1:42:46**
